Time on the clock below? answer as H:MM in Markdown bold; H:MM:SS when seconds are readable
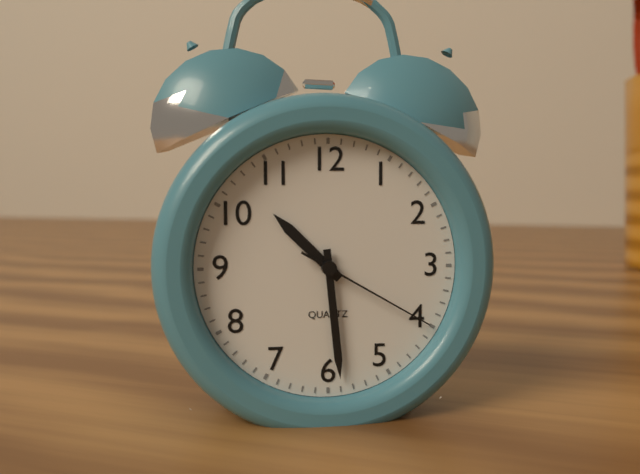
**10:29:20**
